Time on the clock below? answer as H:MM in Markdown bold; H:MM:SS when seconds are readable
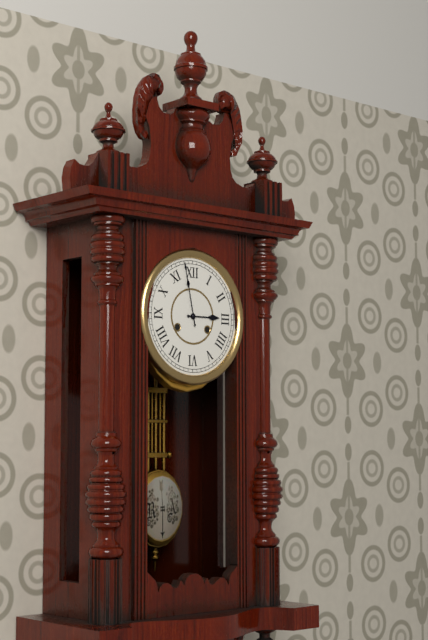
**2:58**
